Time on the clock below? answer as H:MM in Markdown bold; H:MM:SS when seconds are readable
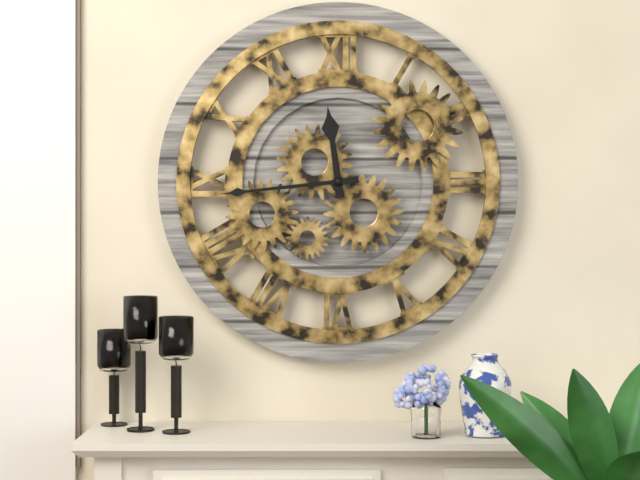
**11:44**
